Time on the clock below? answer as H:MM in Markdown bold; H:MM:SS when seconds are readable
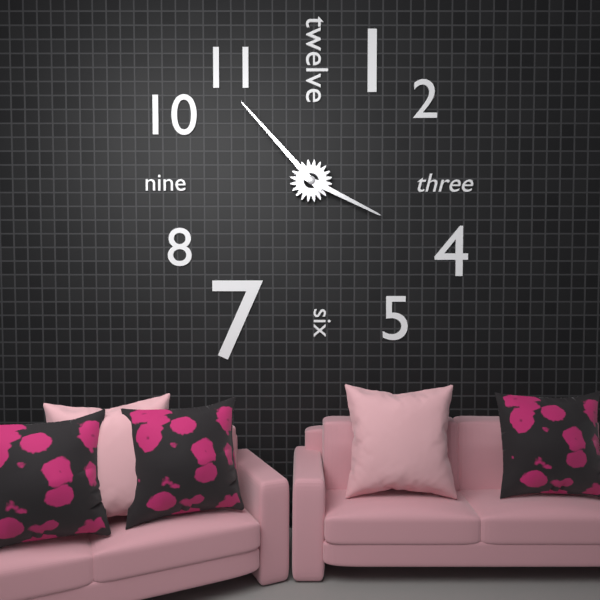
**3:53**
